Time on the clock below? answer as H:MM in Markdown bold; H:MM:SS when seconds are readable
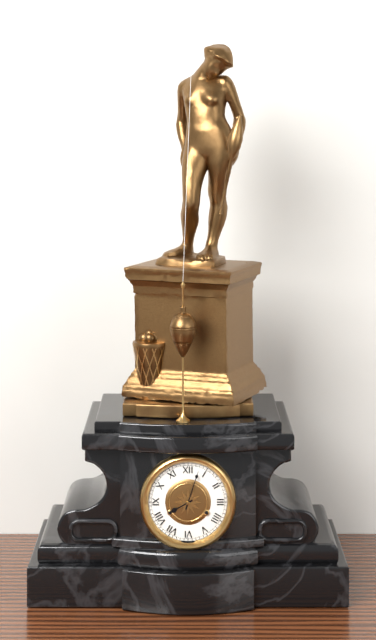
**8:03**
